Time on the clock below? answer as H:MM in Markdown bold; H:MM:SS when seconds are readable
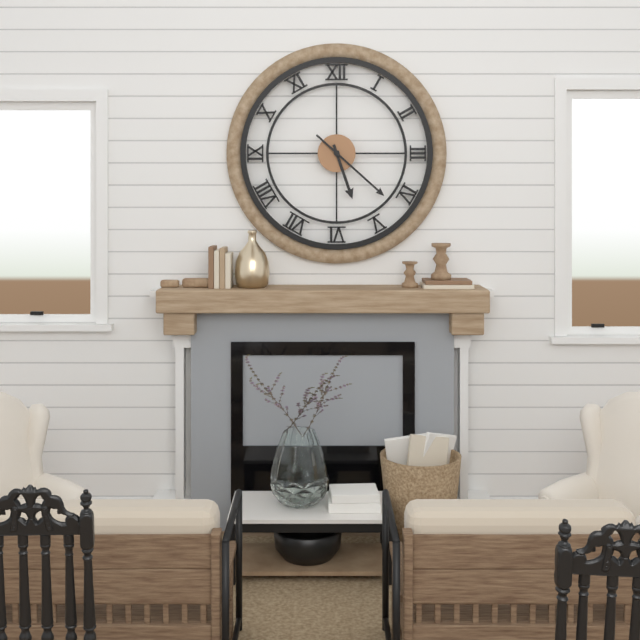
**5:22**
